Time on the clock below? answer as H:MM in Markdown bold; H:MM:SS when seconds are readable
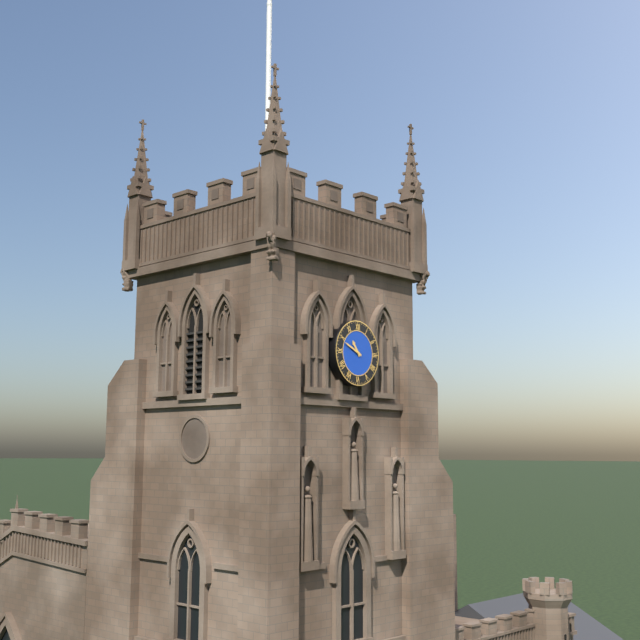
**10:49**
